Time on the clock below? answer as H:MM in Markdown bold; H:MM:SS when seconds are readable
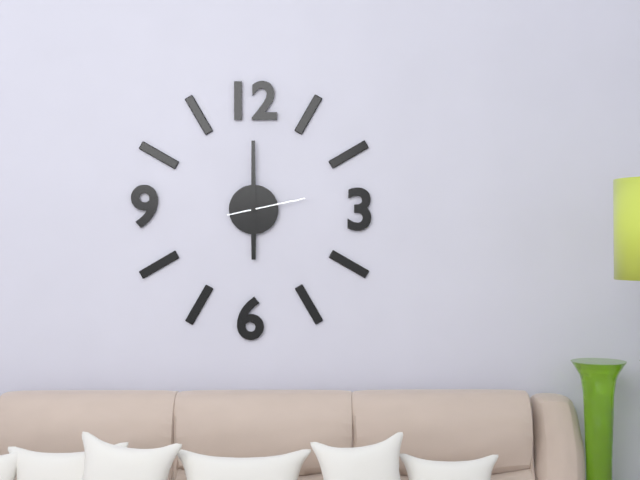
**6:00:13**
